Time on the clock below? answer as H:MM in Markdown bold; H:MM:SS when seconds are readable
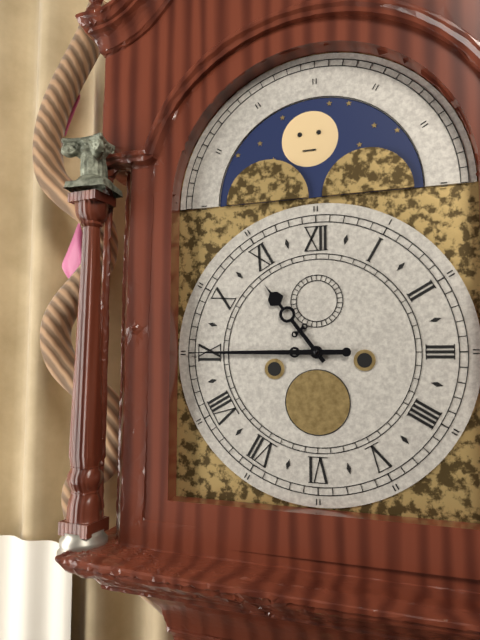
**10:45**
